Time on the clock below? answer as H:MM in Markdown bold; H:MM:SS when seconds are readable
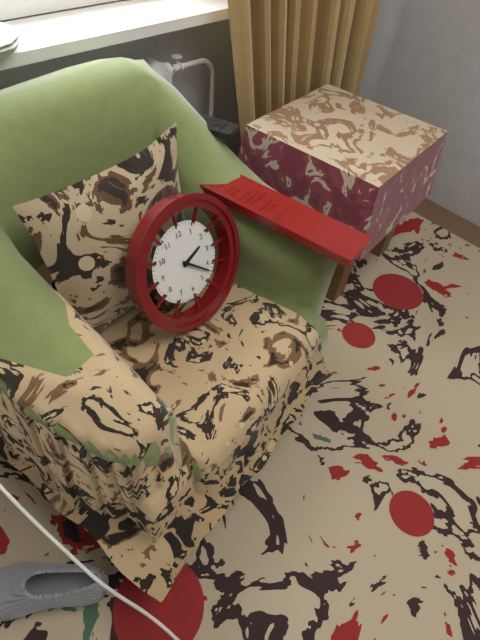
**2:22**
